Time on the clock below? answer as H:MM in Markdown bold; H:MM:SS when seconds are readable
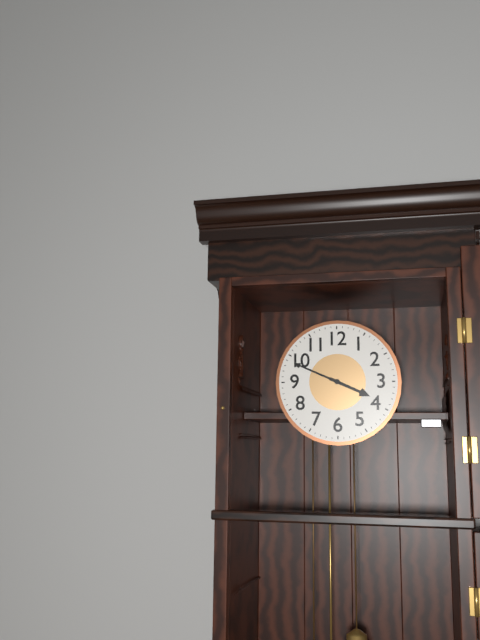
**3:49**
